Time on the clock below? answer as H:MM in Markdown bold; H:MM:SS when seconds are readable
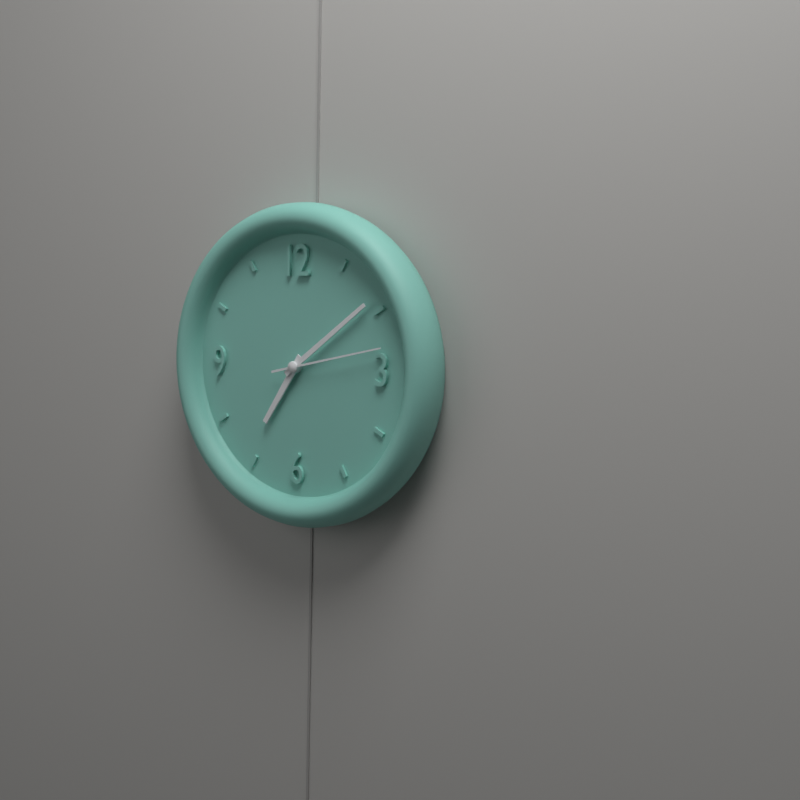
**7:09:13**
